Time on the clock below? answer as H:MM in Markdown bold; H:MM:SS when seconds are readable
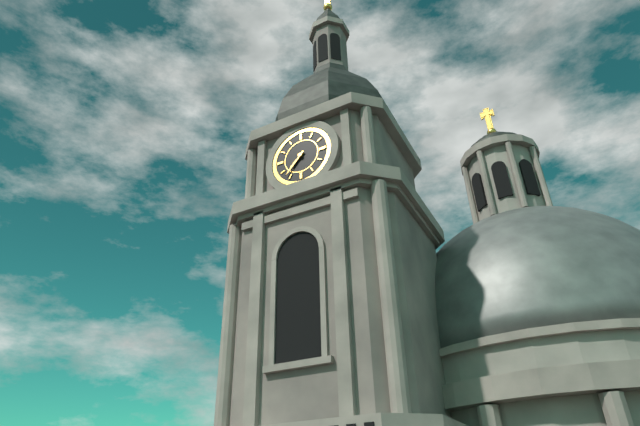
**7:37**
